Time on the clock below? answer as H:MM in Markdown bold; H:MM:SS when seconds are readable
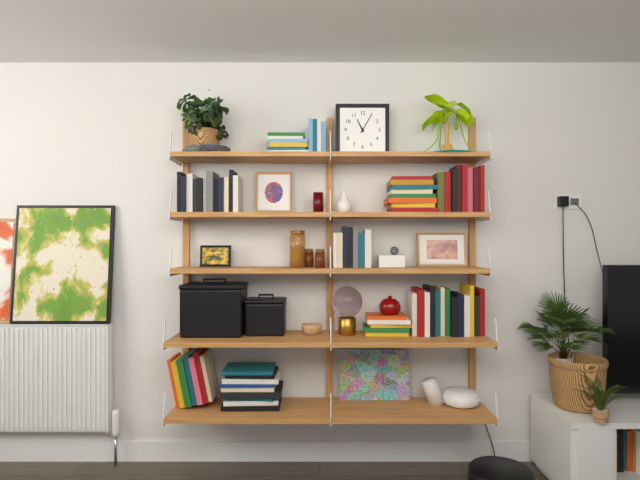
**11:05**
